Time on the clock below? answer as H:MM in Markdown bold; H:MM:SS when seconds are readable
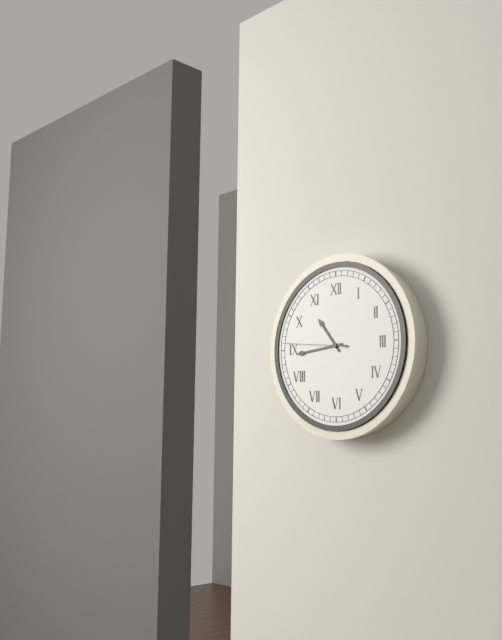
**10:44:46**
